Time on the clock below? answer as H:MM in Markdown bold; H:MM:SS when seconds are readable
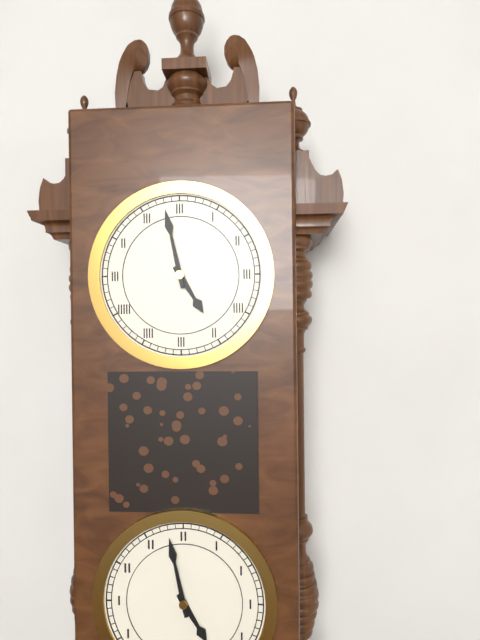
**4:58**
